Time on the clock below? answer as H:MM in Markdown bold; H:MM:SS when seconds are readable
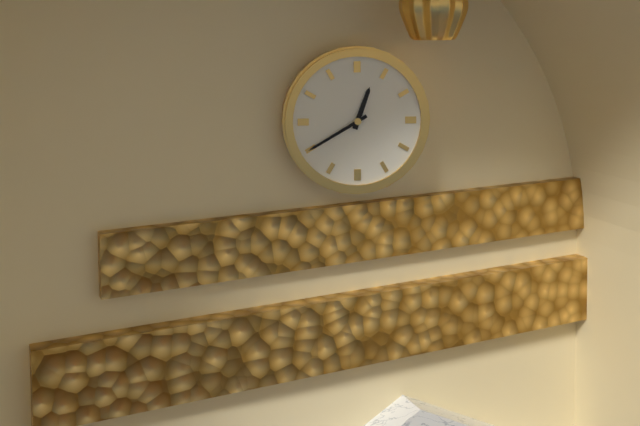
**12:40**
